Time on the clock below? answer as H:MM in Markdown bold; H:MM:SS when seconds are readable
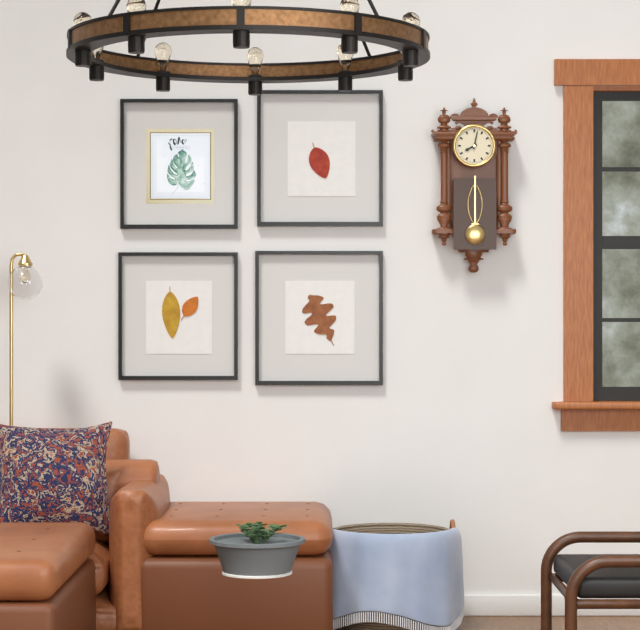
**8:02**
